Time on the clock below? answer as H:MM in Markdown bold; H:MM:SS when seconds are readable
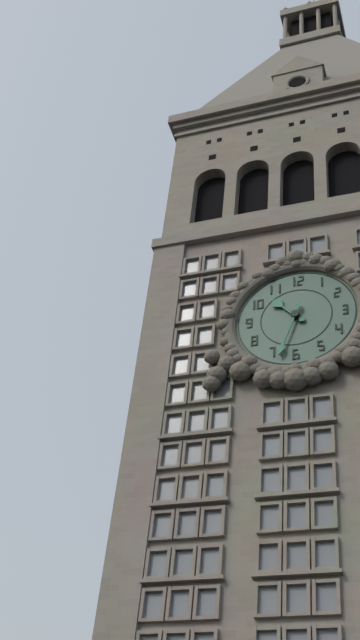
**10:33**
